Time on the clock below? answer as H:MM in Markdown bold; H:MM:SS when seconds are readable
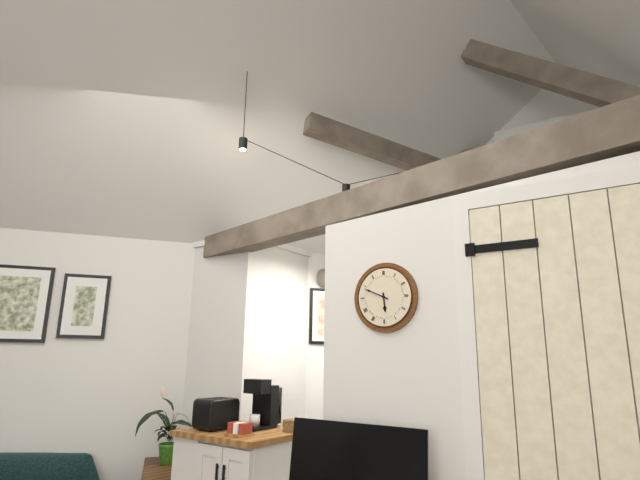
**5:49**
